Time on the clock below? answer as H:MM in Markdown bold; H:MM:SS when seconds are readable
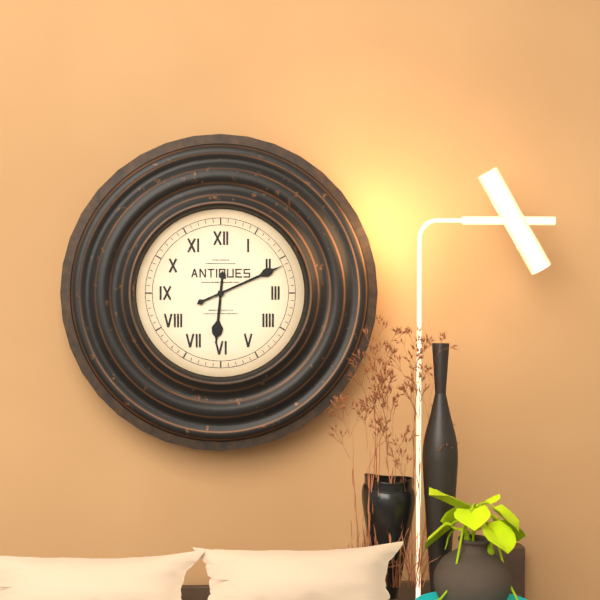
**6:11**
